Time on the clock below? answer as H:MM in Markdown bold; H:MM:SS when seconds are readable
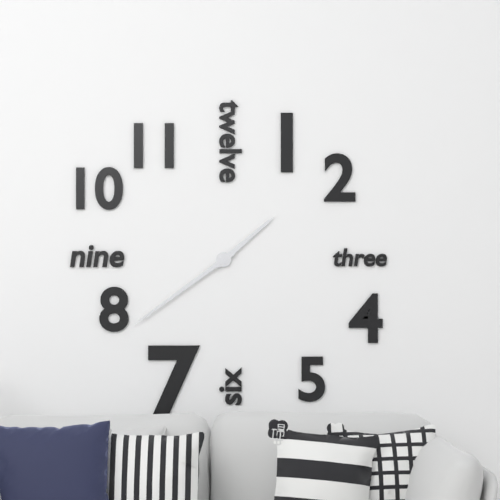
**1:39**
